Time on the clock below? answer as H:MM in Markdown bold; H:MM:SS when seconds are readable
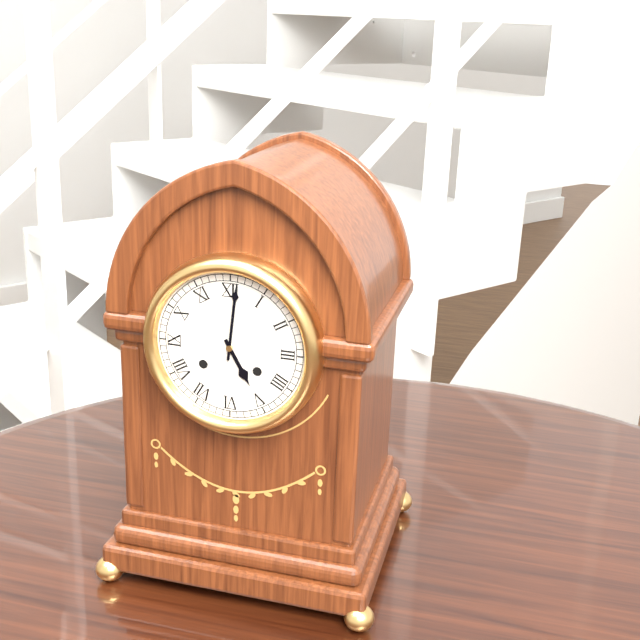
**5:01**
